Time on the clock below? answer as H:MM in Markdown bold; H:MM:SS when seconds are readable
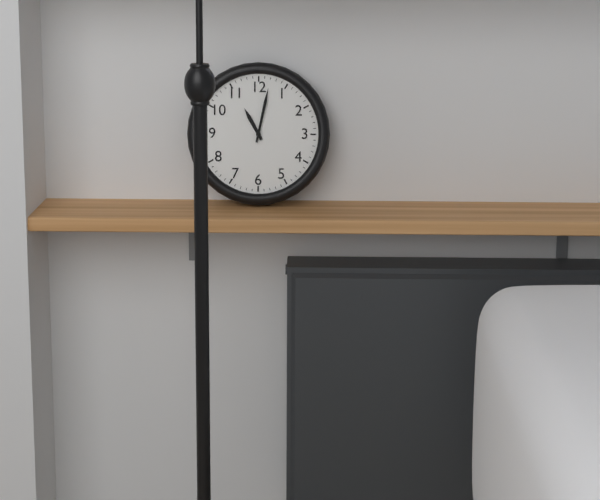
**11:02**
